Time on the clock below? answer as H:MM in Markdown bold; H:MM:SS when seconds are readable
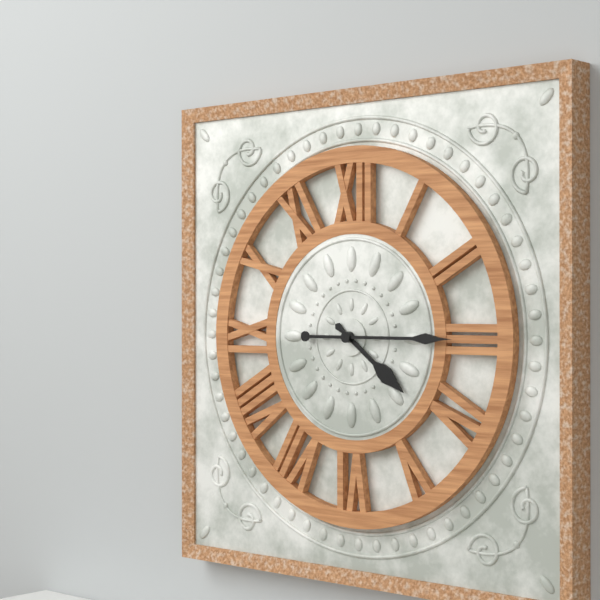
**4:15**
